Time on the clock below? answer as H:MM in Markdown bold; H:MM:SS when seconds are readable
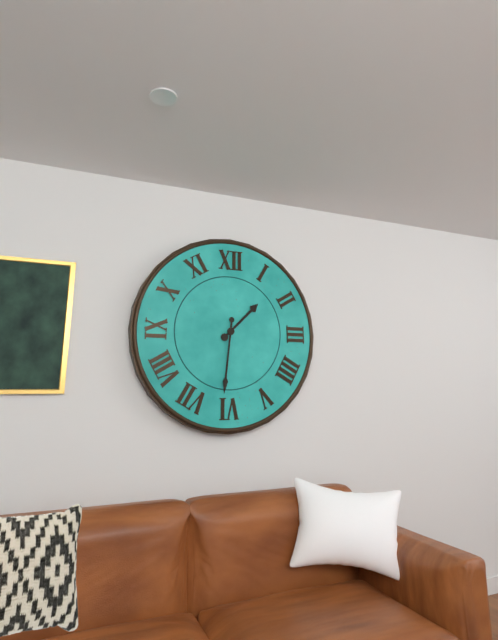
**1:31**
